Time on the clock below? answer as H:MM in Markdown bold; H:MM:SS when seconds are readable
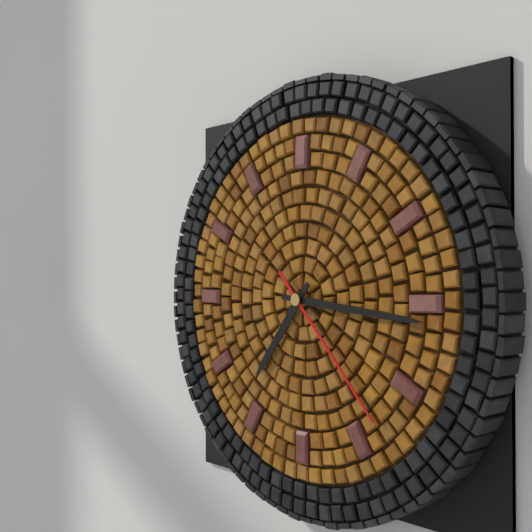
**7:16:23**
